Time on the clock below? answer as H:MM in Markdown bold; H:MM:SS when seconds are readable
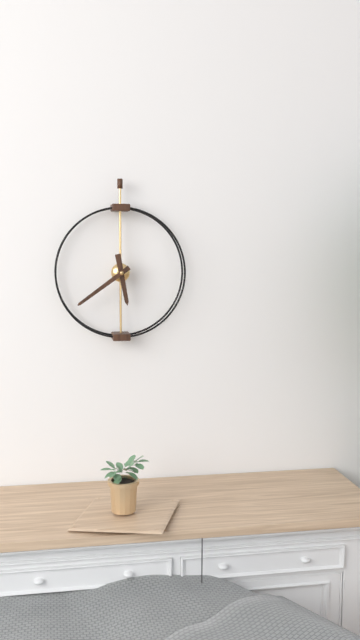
**5:39**
